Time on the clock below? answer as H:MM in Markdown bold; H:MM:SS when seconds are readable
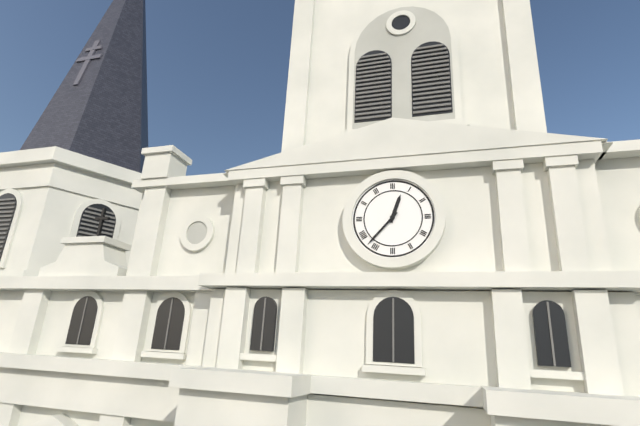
**12:37**
